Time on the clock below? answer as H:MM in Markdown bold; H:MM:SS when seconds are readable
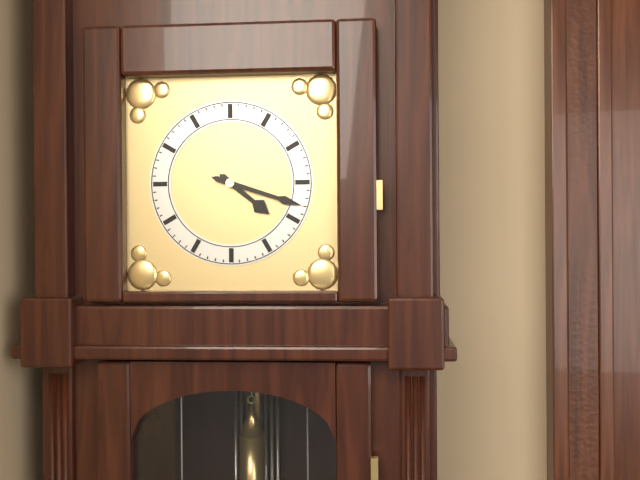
**4:18**
